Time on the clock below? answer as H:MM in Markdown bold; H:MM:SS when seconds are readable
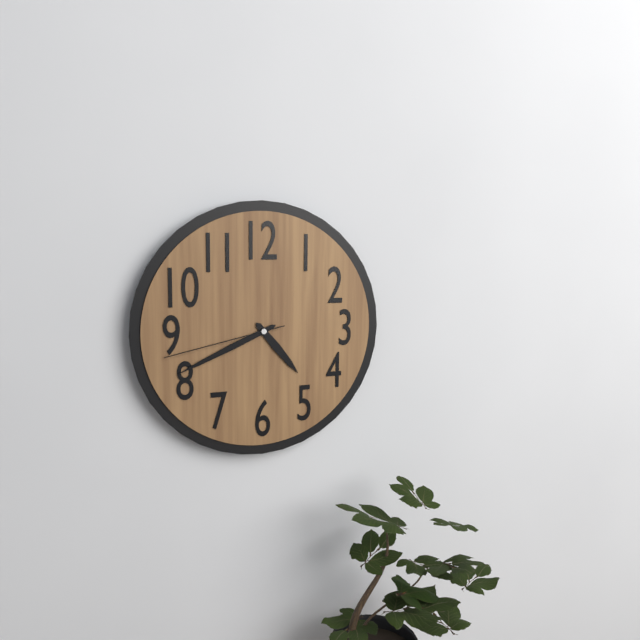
**4:41:43**
